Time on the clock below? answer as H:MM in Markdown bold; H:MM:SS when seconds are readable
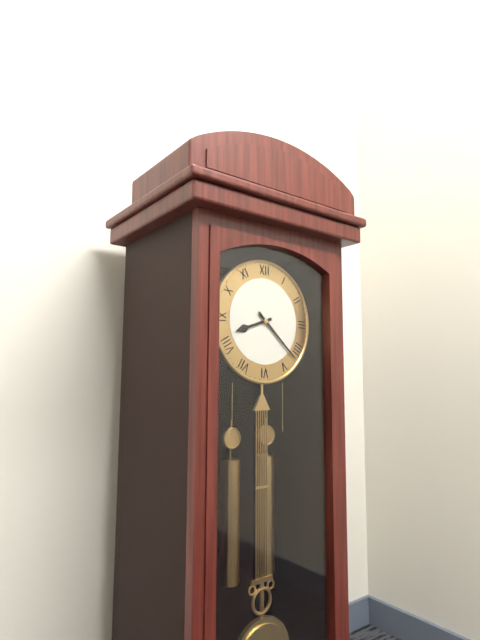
**8:22**
